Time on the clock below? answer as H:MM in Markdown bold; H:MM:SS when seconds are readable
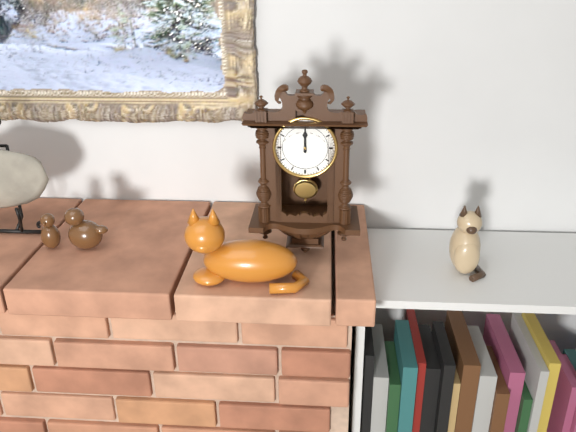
**12:00**
